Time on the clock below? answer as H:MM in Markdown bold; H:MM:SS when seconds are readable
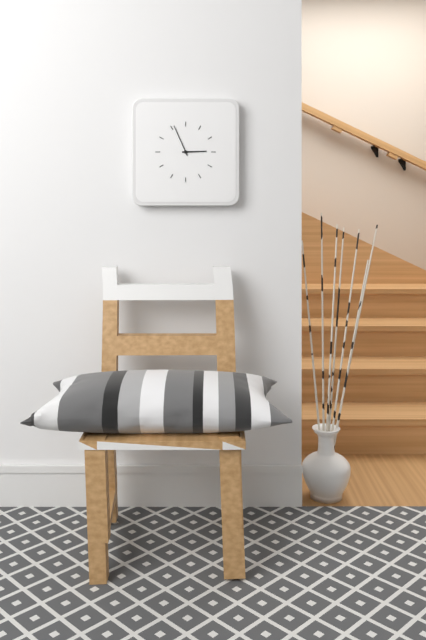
**2:56**
